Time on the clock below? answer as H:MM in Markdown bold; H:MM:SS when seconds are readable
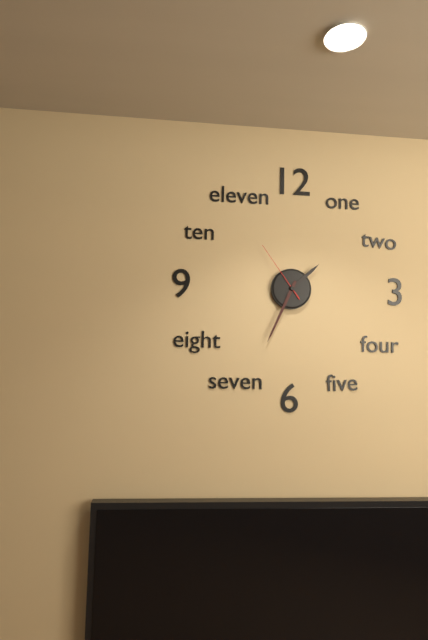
**1:34:54**
